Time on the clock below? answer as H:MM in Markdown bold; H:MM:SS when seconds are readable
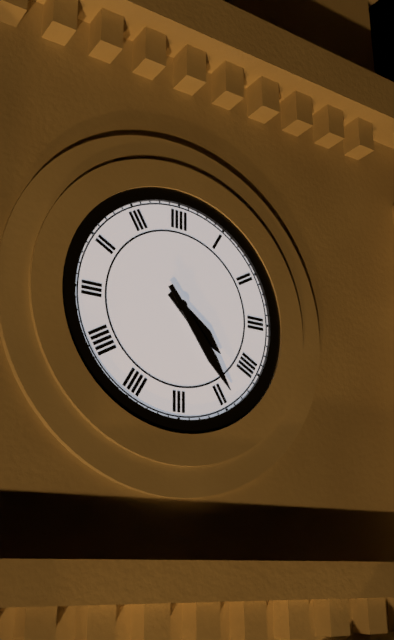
**4:24**
